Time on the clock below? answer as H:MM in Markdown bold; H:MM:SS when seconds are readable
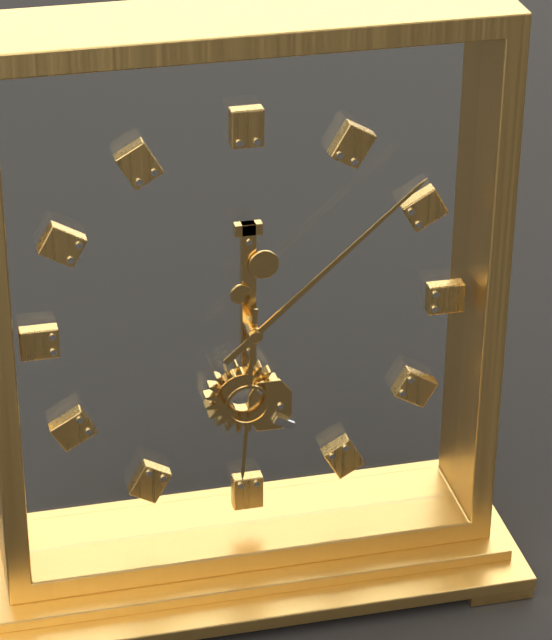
**6:08**
